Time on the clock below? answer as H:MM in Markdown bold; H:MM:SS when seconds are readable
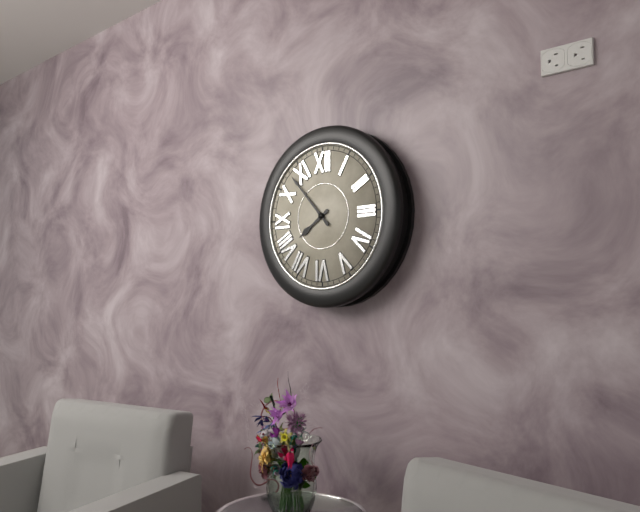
**7:53**
